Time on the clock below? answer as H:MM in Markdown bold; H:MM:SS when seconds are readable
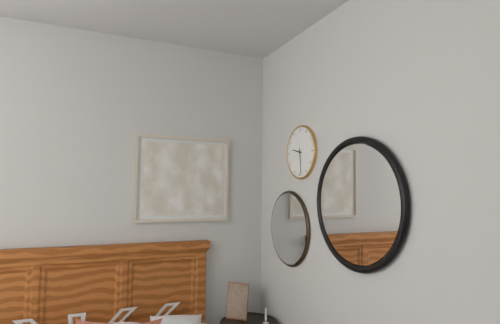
**9:29**
